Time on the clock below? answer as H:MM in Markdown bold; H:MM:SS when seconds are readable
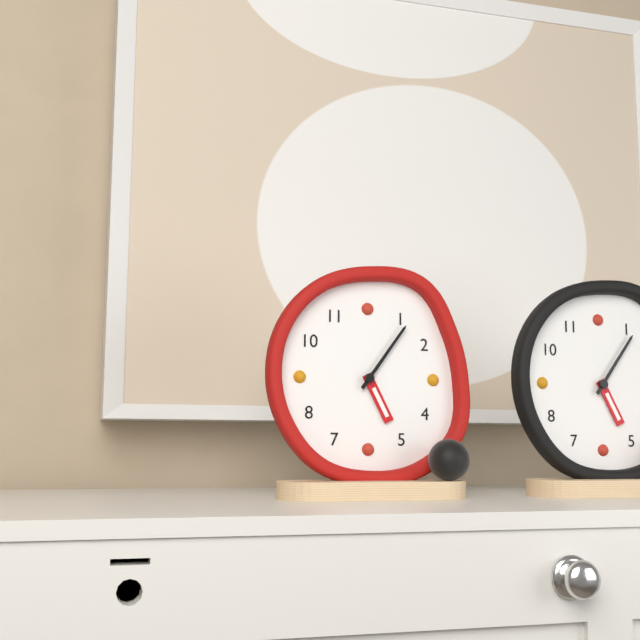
**5:06**
